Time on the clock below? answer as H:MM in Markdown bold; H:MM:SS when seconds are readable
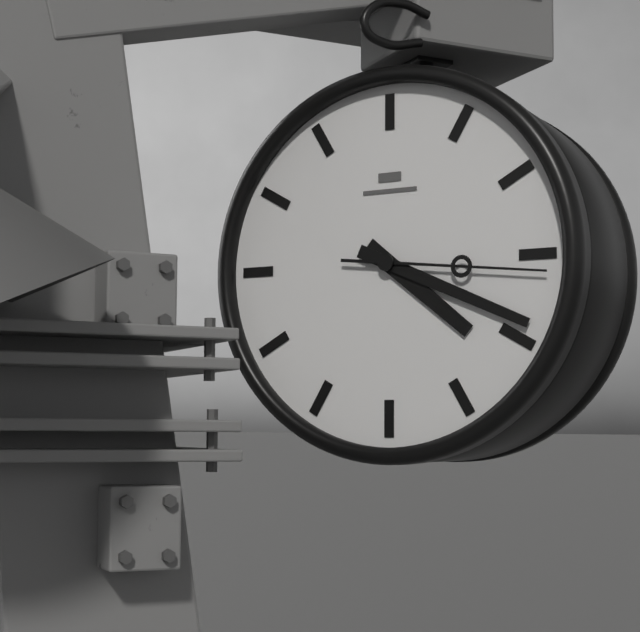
**4:19:16**
